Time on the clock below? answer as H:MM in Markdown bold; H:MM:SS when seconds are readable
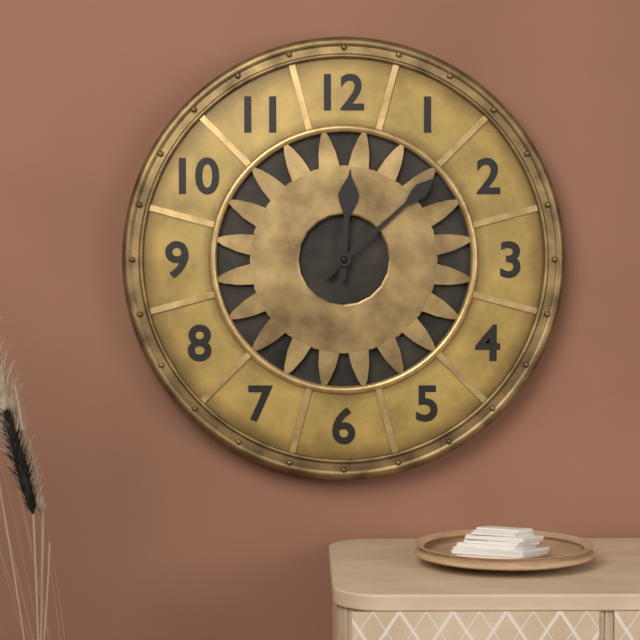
**12:08**
